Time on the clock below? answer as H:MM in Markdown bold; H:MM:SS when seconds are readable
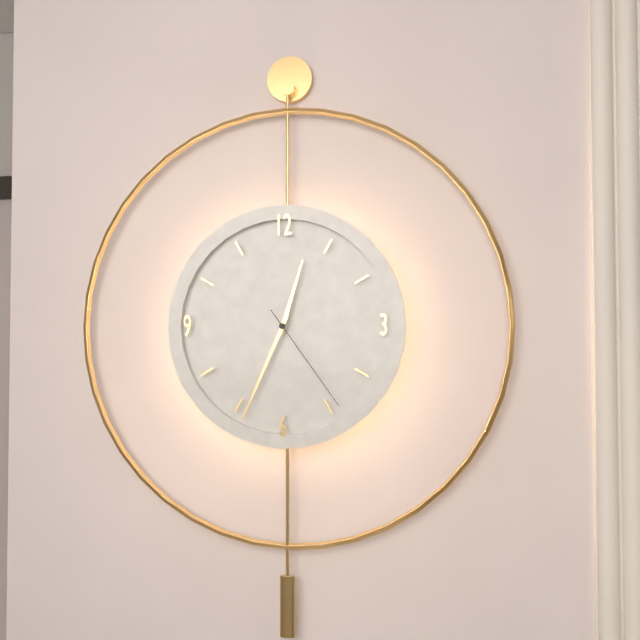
**12:34:24**
